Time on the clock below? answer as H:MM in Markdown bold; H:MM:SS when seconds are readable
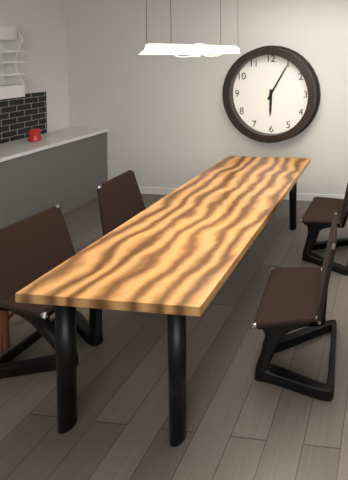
**6:05**
